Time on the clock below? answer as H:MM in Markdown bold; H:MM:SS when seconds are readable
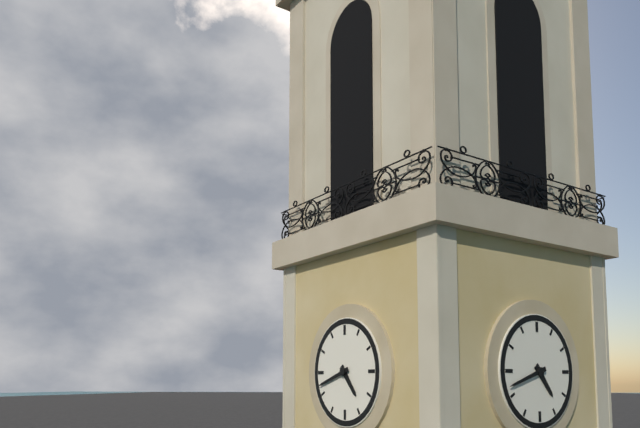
**4:42**
